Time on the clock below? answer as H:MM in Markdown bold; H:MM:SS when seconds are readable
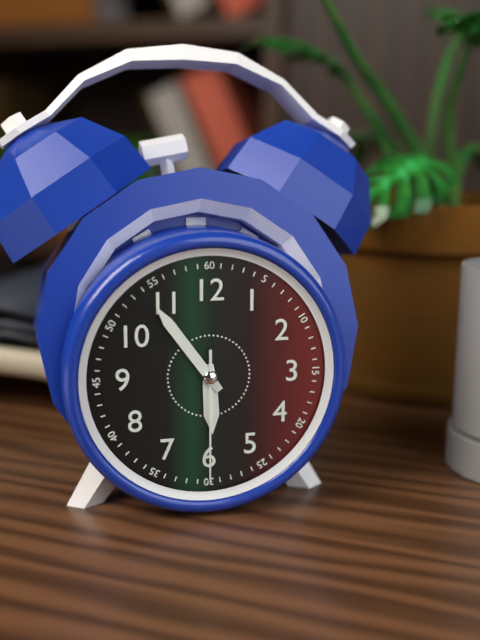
**5:54:30**
